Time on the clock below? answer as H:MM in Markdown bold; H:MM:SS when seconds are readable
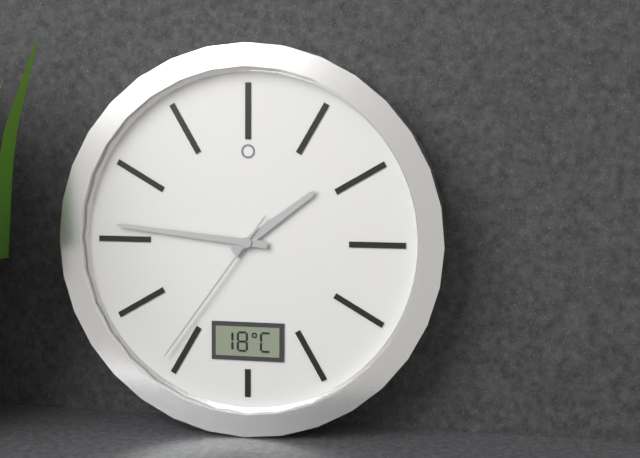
**1:46:36**
